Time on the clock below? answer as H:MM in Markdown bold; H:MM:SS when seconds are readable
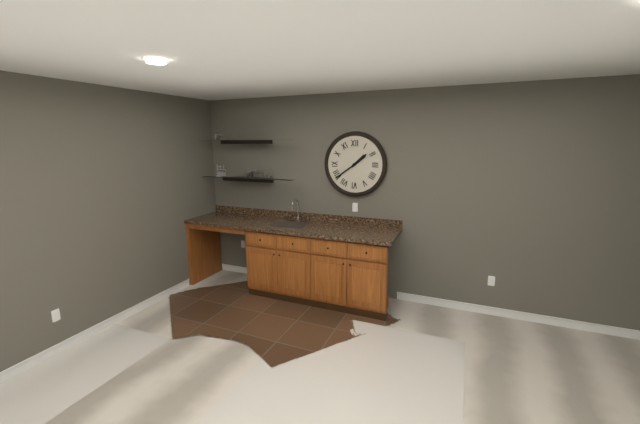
**1:39**
